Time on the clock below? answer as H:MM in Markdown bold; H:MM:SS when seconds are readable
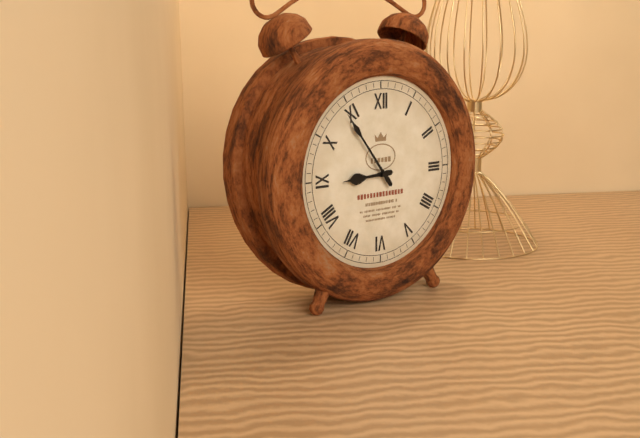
**8:54**
